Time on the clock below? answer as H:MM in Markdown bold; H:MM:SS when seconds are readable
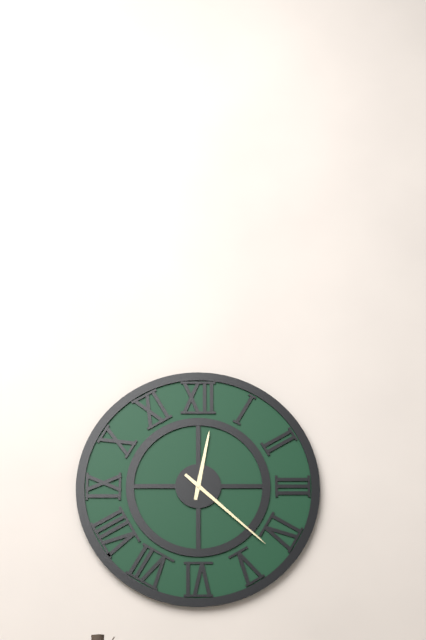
**12:22**
